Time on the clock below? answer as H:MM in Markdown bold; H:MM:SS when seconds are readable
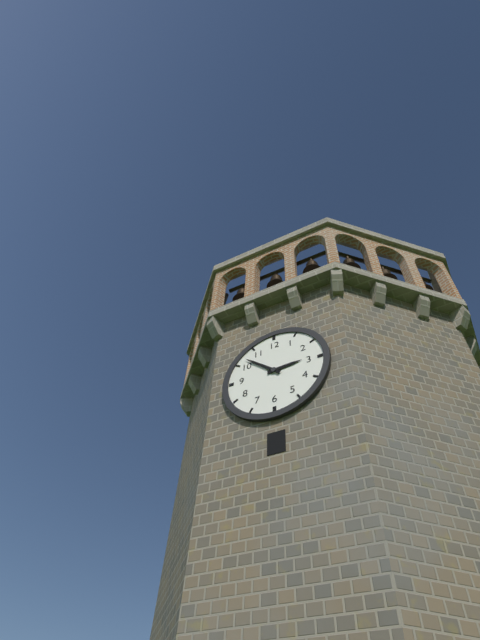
**2:52**
